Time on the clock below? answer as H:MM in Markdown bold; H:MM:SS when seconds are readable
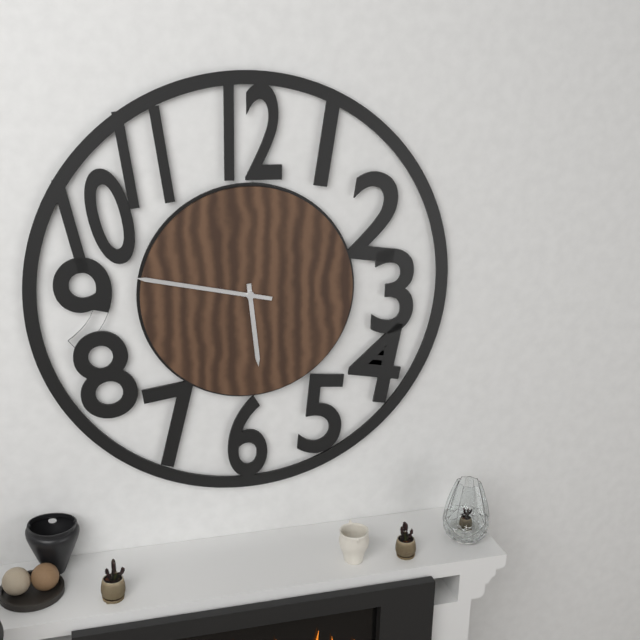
**5:47**
